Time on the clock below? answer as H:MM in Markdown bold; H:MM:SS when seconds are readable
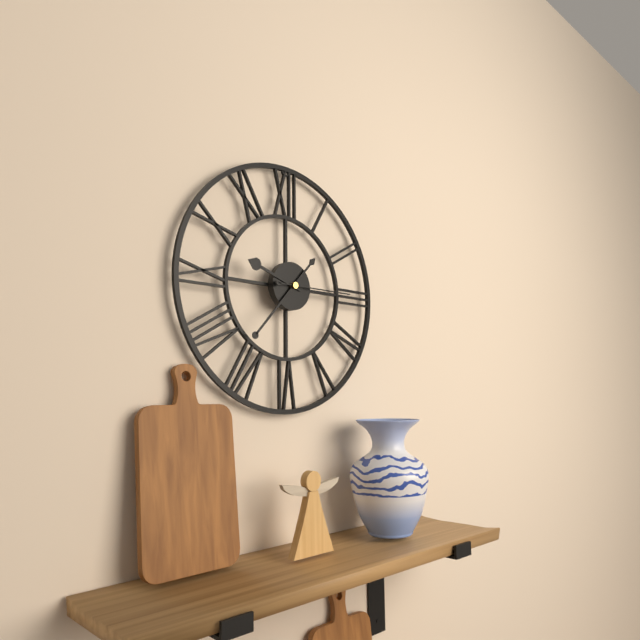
**9:37:15**
